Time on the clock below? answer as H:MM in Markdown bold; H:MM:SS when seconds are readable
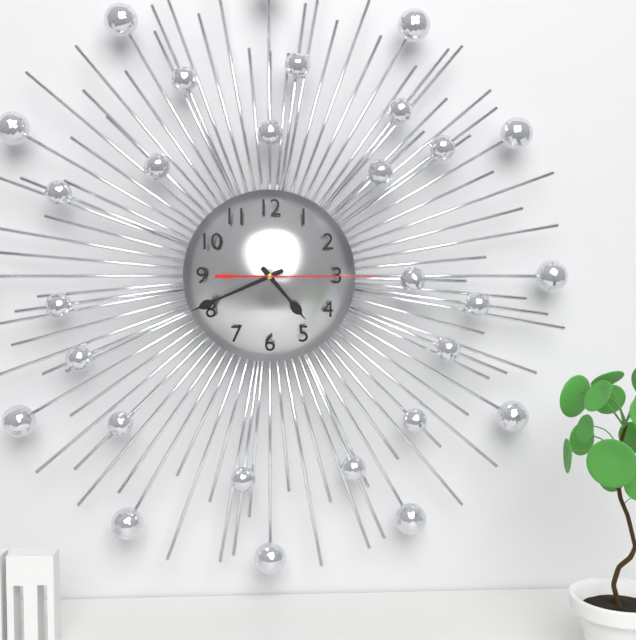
**4:41:15**
